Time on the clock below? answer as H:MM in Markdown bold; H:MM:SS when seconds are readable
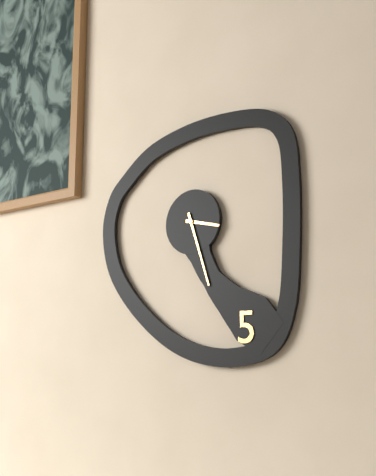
**3:27**
